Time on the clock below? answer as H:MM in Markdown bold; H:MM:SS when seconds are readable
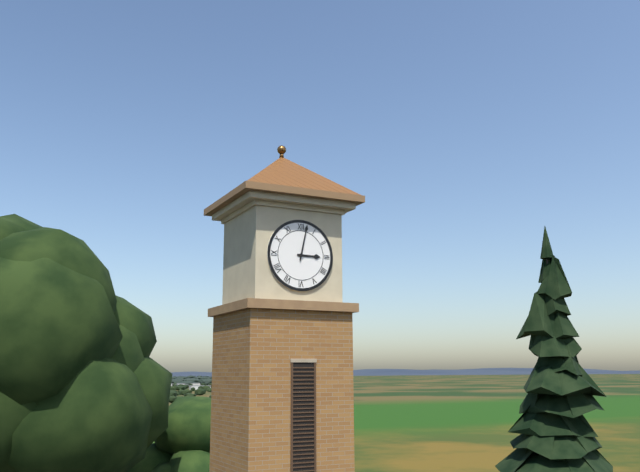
**3:02**
